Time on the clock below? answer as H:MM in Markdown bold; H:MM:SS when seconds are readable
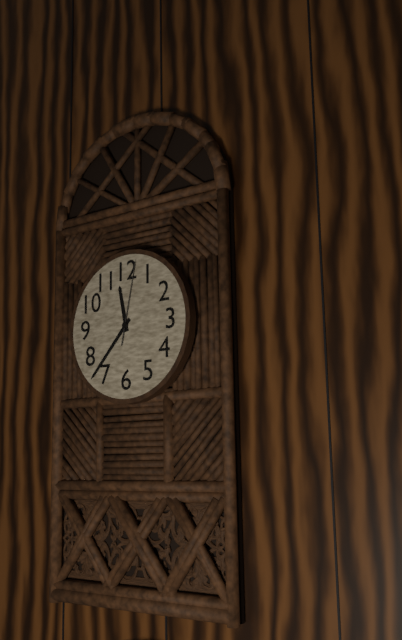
**11:37:02**
